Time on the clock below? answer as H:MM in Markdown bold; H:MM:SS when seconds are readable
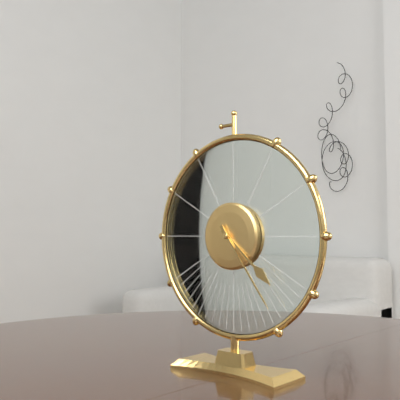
**4:24**
